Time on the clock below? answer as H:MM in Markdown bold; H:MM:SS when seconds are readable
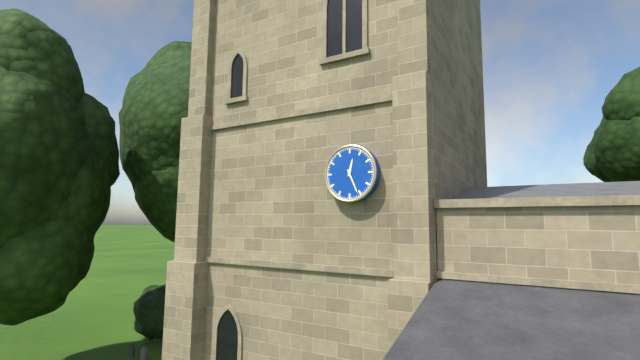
**12:26**
